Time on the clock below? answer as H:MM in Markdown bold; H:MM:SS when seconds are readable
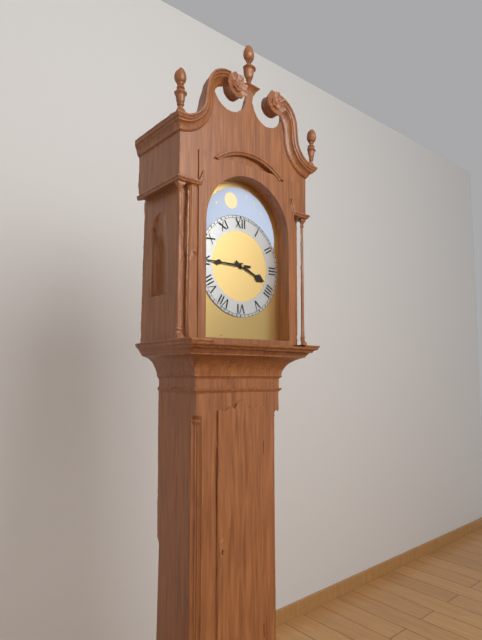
**3:45**
